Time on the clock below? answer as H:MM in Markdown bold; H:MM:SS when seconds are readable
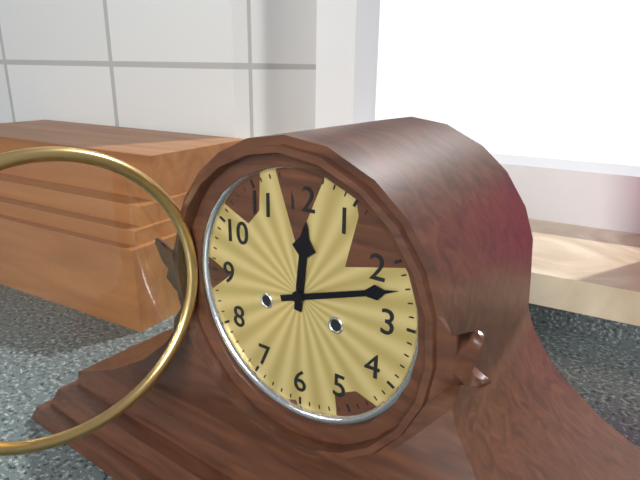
**12:12**
